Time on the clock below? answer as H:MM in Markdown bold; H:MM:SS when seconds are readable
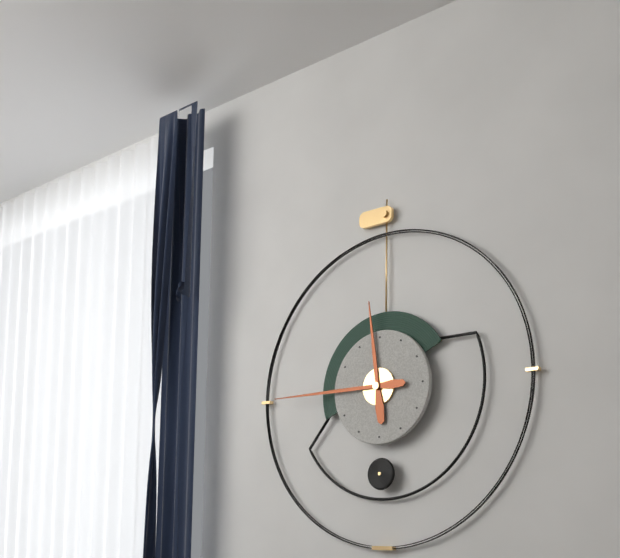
**11:45**
